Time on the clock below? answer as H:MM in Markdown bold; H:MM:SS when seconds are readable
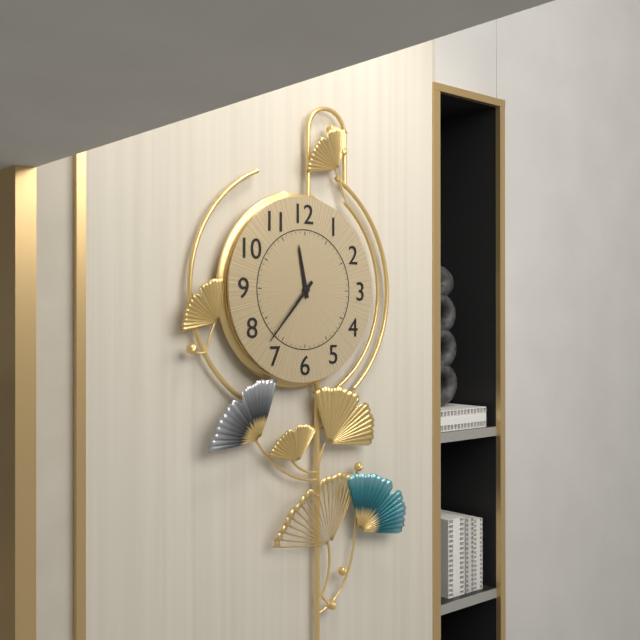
**11:37**
